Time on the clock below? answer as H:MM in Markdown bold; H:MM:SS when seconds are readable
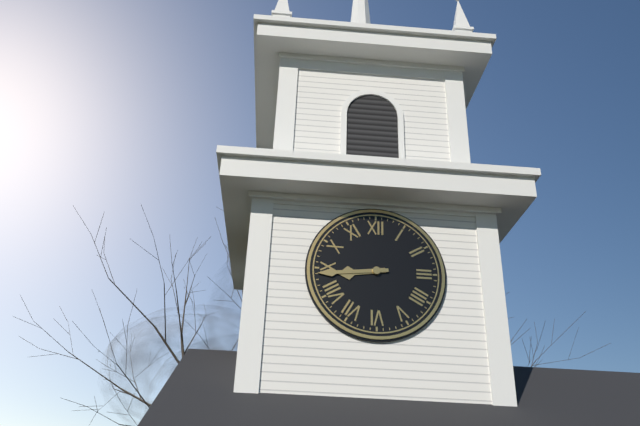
**8:44**
